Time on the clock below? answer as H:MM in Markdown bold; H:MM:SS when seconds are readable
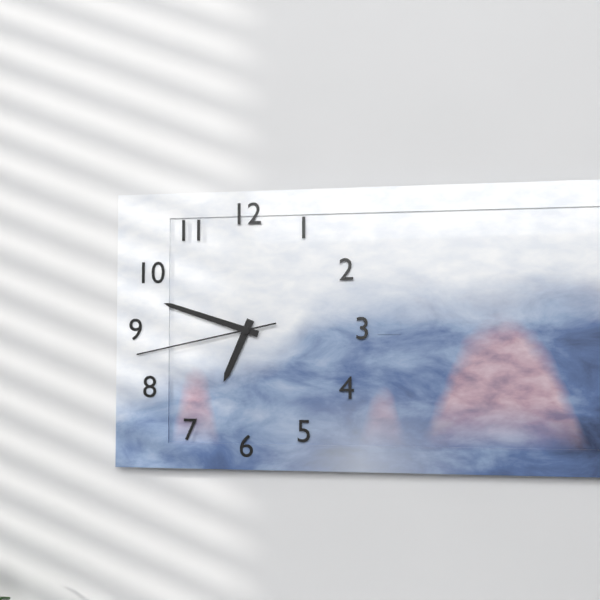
**6:48:43**
